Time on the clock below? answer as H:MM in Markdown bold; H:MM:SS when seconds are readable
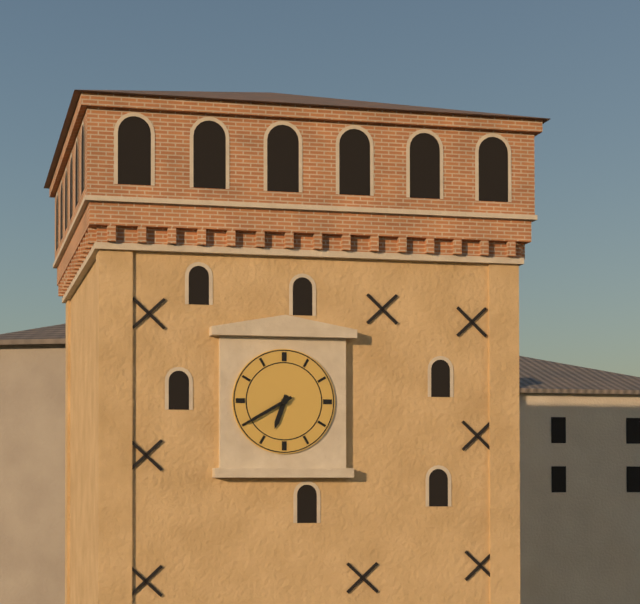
**6:40**
